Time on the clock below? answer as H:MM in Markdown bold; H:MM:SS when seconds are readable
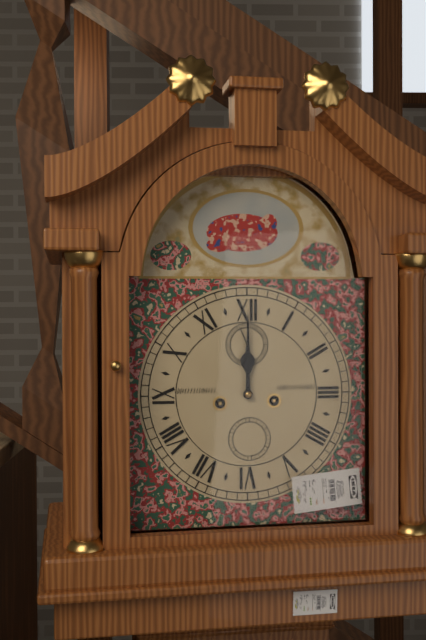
**12:00**
